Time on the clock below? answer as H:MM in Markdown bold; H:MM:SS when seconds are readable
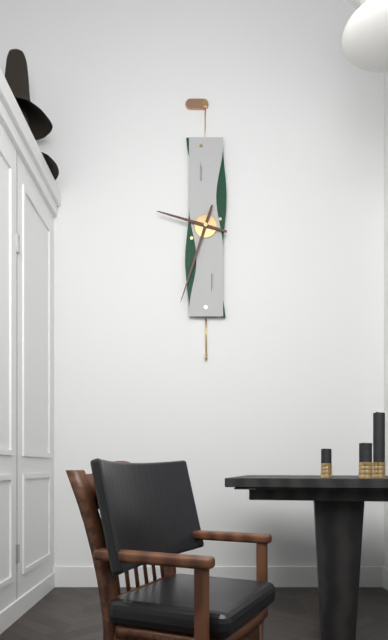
**9:33**
